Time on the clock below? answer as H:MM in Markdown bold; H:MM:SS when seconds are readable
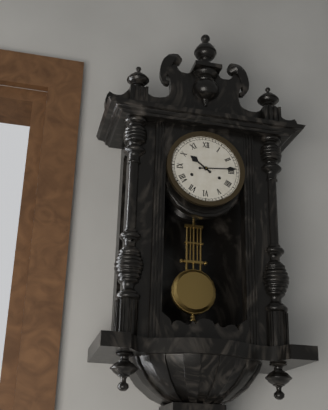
**10:14**
